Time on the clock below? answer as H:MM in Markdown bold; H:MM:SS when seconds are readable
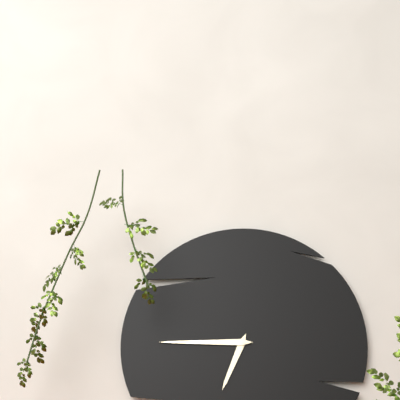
**6:45**
